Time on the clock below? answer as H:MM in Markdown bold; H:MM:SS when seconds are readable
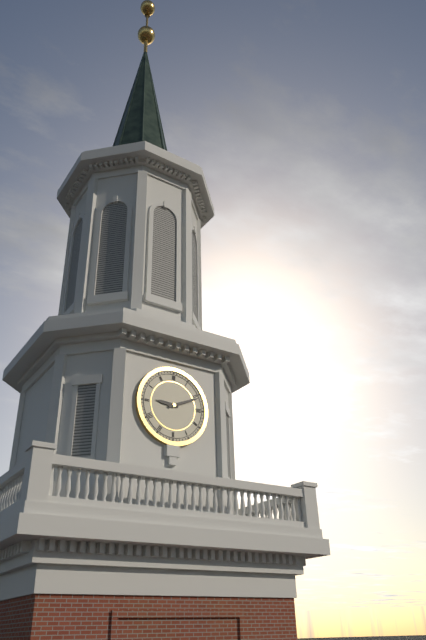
**9:11**
